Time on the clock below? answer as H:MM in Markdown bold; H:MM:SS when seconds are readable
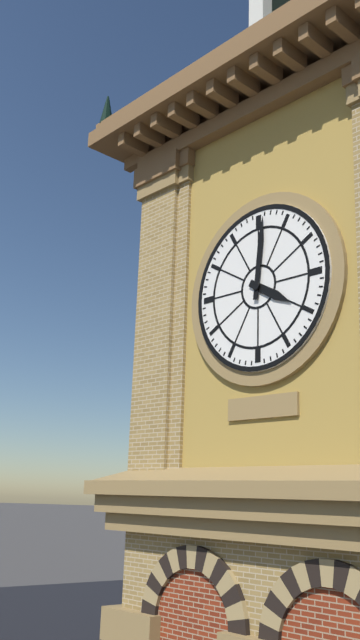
**4:01**
